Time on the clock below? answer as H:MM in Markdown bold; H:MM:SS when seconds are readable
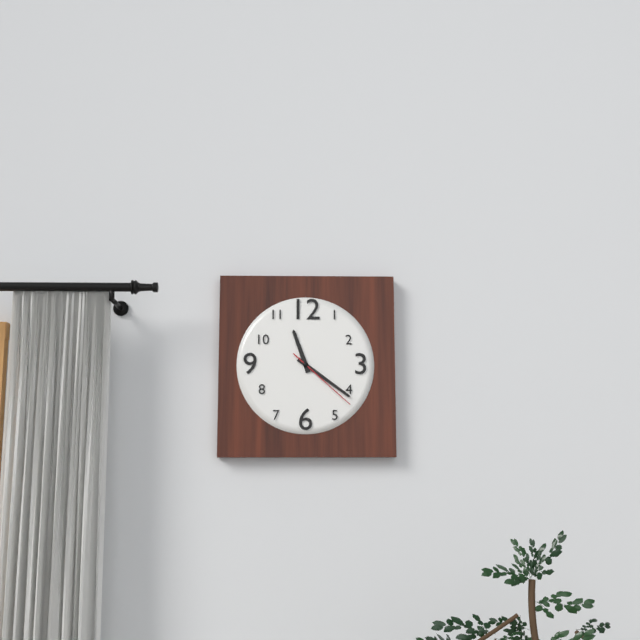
**11:21:22**
